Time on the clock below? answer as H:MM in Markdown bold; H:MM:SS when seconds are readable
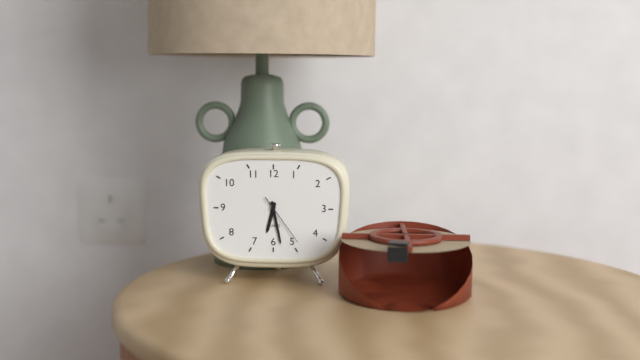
**6:28:24**
